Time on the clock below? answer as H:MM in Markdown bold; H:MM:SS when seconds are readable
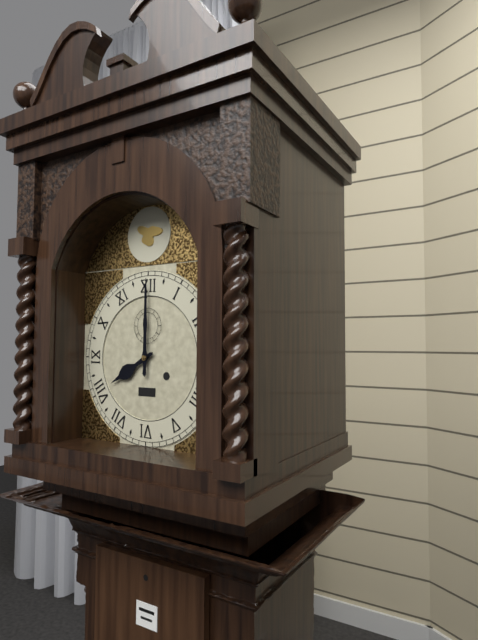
**8:00**
